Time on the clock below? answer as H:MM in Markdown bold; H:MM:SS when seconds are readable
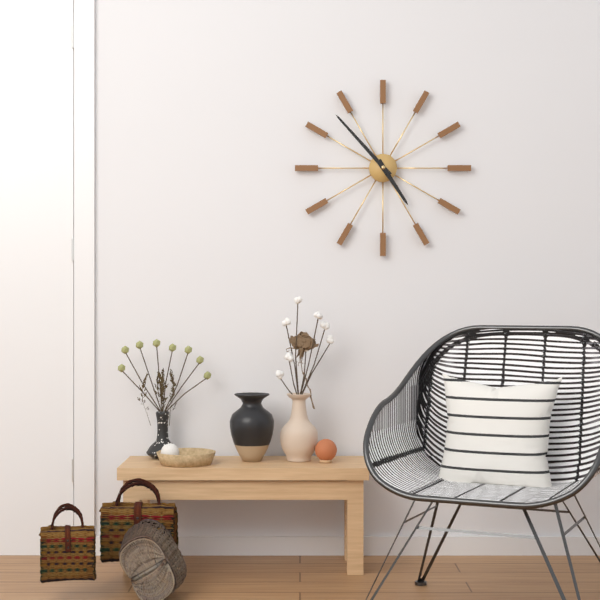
**4:53**
